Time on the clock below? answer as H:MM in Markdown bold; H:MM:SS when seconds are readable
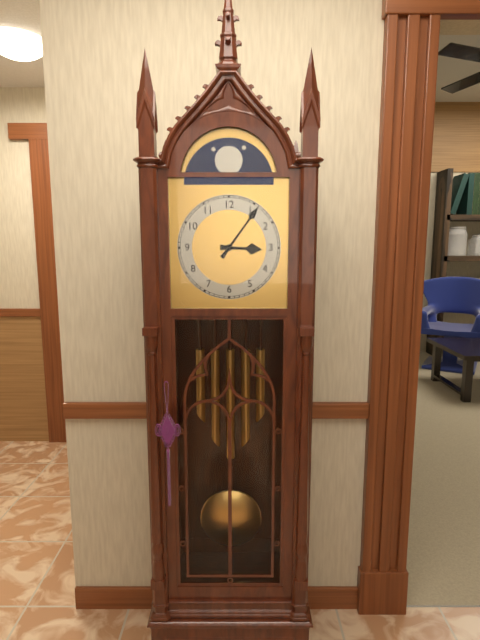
**3:06**
